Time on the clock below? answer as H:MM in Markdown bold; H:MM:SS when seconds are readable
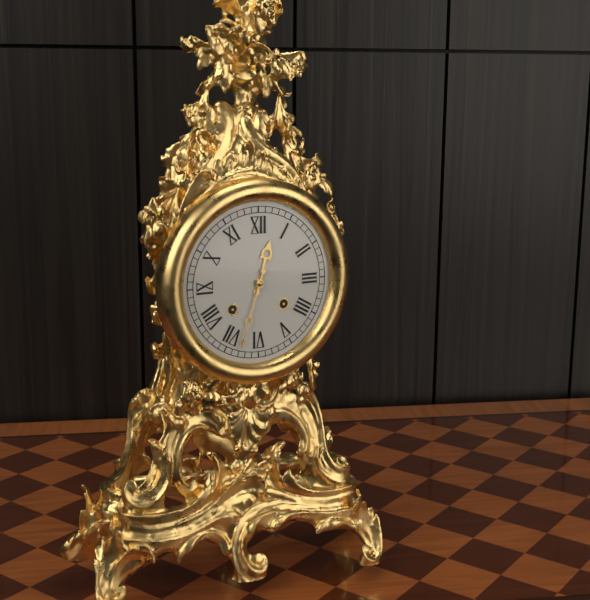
**12:33**
